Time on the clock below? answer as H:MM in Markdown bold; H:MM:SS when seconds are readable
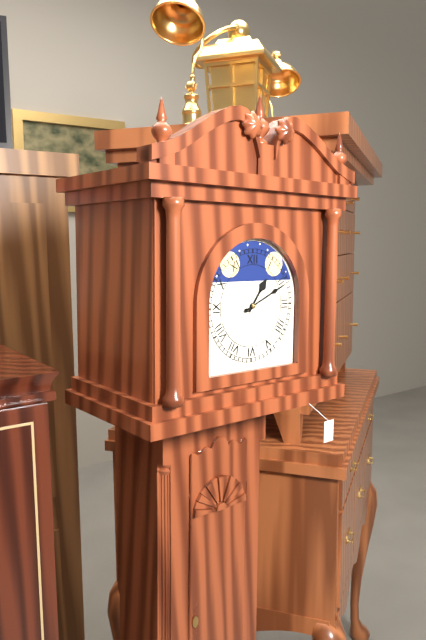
**1:11**
